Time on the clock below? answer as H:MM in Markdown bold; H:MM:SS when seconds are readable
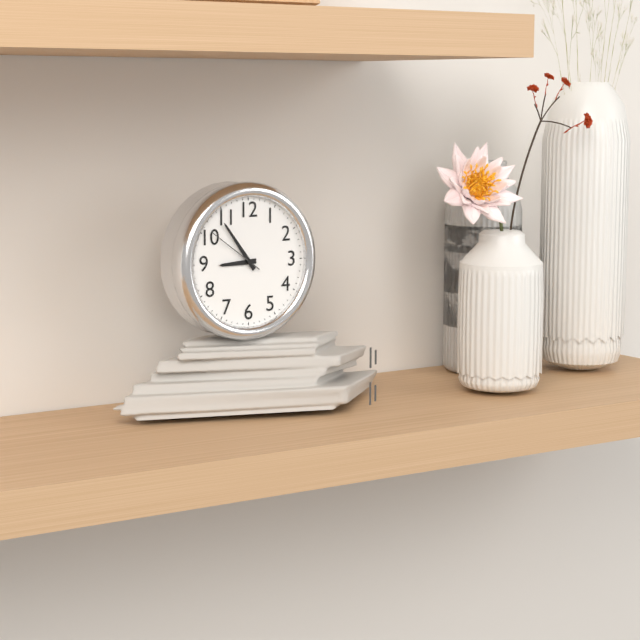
**8:54:51**
